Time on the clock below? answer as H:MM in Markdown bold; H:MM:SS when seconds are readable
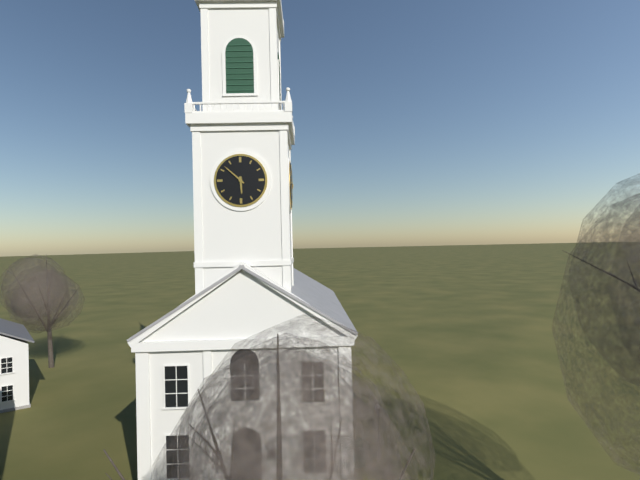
**5:52**
